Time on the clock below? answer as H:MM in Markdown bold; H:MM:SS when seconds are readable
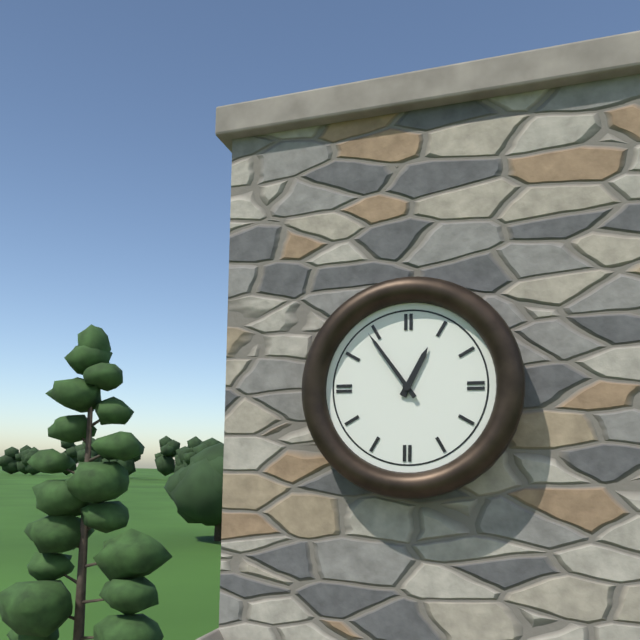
**12:54**
